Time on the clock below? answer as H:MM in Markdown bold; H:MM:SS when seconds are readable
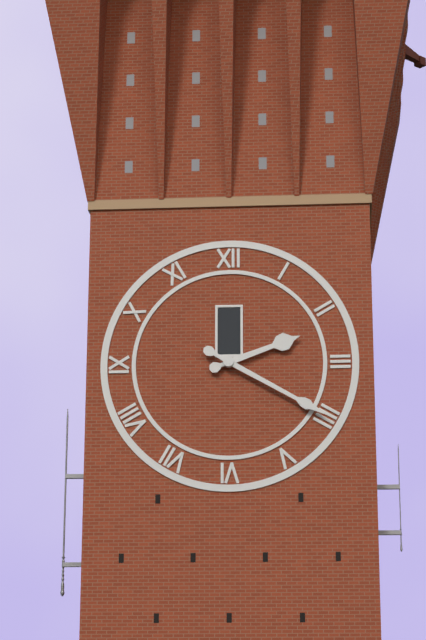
**2:20**
